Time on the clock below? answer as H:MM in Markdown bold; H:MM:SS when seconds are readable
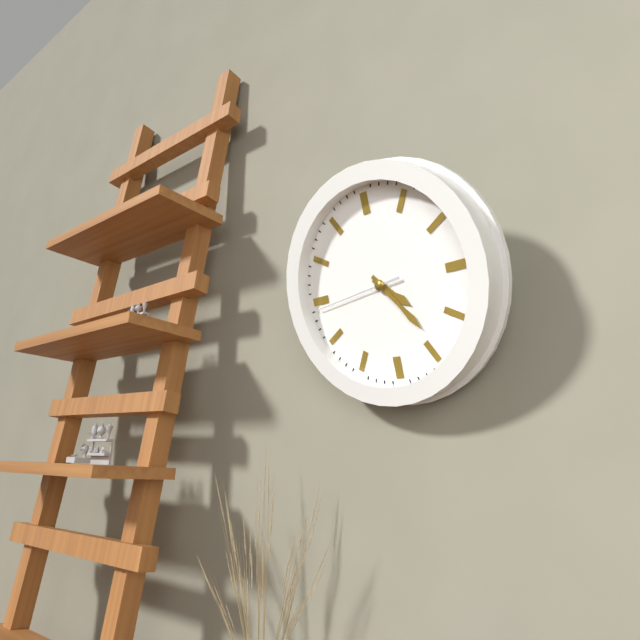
**4:24:44**
